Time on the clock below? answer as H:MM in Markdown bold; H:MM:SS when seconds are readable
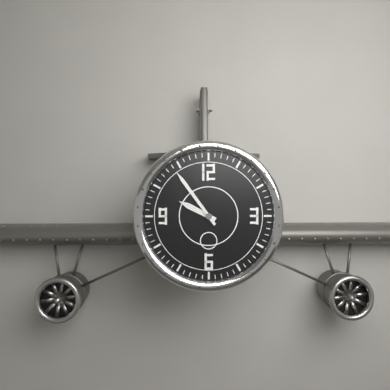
**9:54**
